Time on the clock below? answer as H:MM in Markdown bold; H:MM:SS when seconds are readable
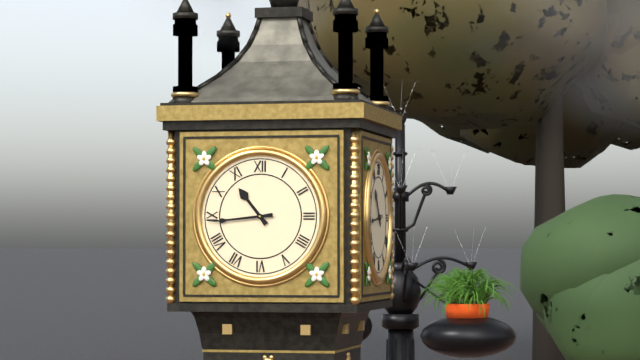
**10:44**
